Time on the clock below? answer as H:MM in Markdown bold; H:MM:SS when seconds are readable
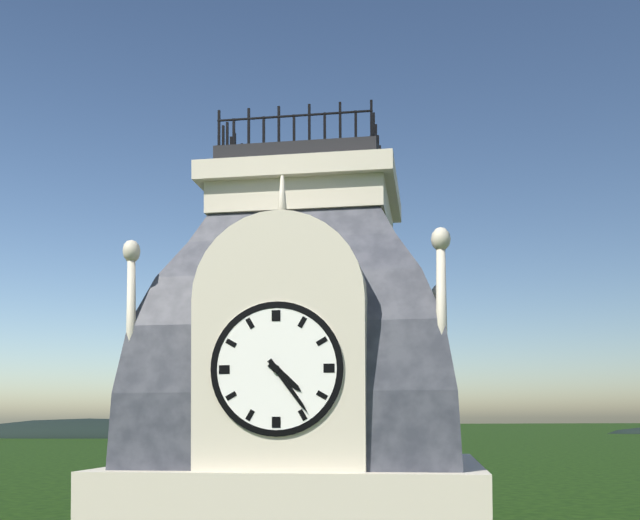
**4:24**
